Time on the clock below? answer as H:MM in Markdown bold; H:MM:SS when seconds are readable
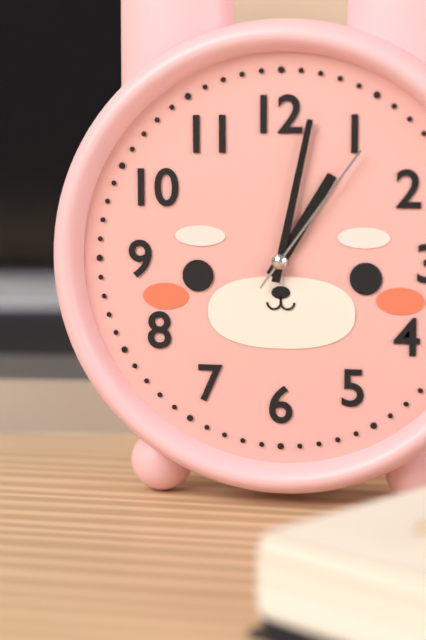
**1:02:06**
